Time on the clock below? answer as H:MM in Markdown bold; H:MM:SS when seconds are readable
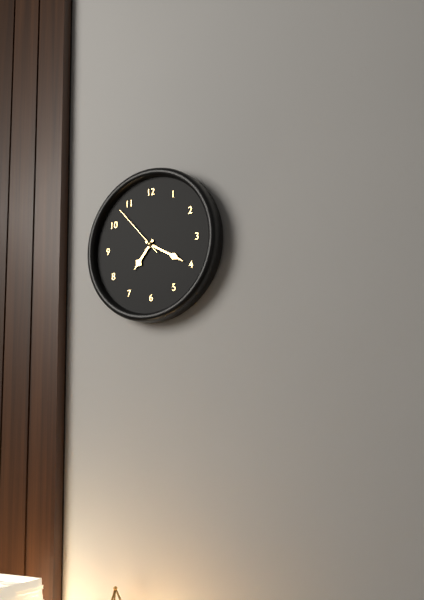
**7:20:53**
